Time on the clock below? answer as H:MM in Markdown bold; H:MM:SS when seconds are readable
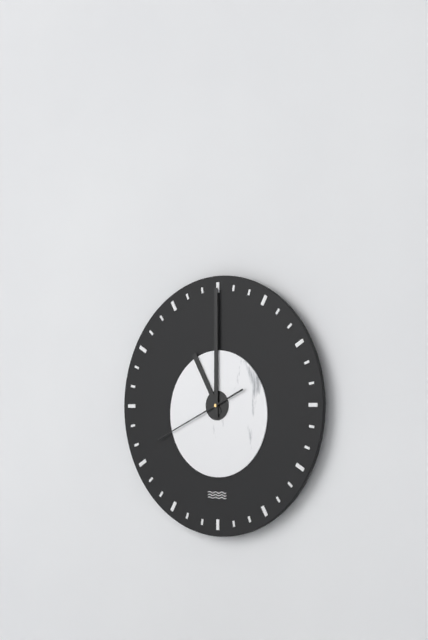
**11:00:41**
